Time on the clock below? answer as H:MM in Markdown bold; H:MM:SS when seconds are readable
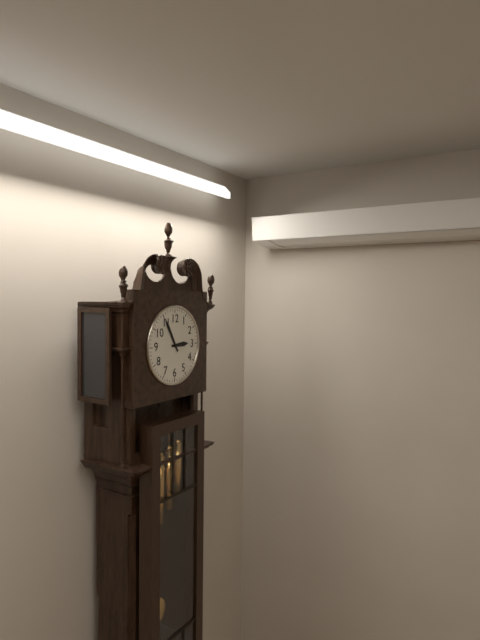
**2:55**
